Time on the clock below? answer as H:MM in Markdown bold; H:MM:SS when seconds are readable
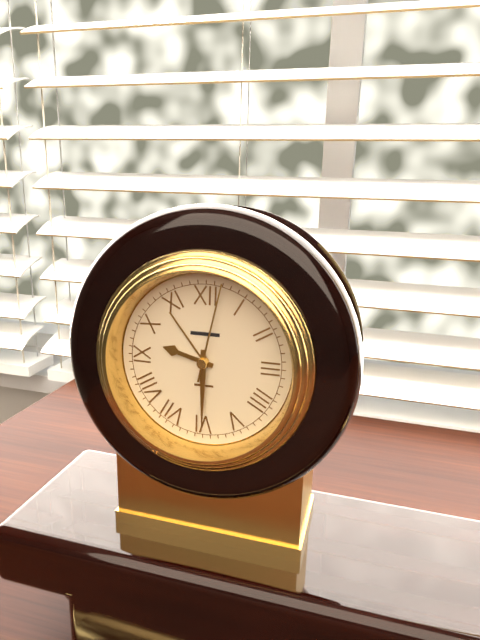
**9:30:02**
